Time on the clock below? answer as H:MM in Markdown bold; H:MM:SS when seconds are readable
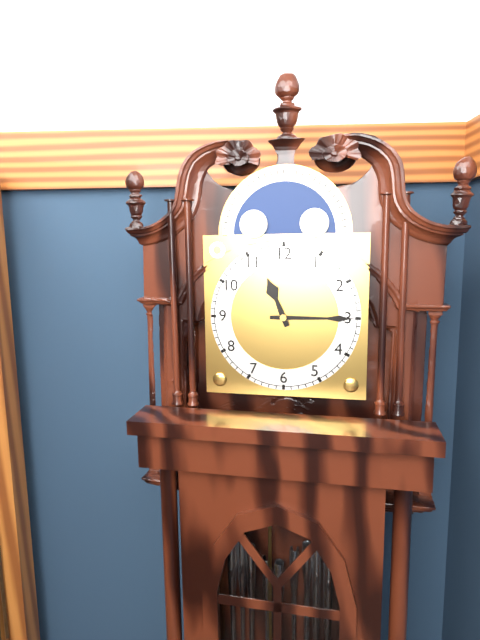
**11:15**
